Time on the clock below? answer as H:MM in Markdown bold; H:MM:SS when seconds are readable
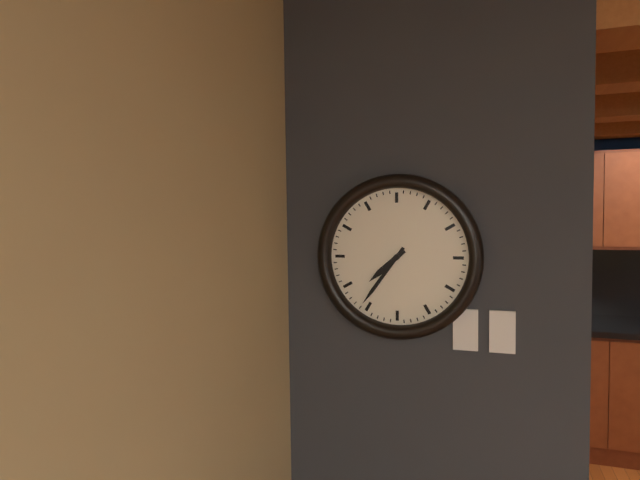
**7:36**
